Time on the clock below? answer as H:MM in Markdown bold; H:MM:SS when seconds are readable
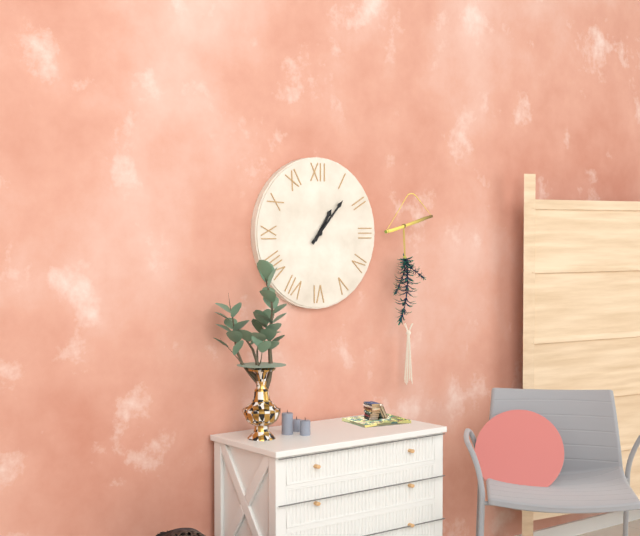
**1:07**
